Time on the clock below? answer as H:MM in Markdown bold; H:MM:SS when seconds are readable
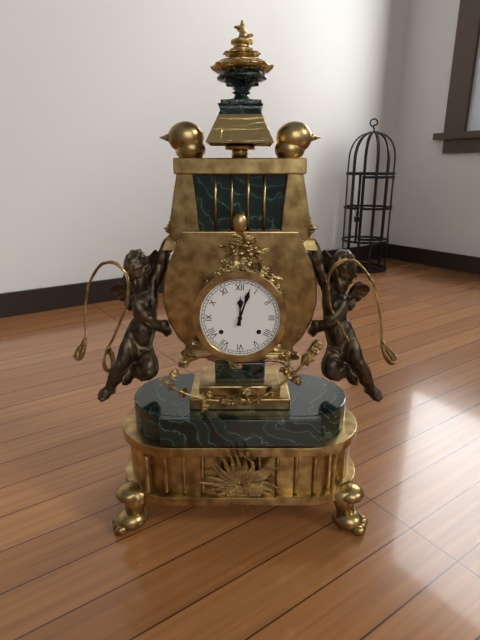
**12:03**
